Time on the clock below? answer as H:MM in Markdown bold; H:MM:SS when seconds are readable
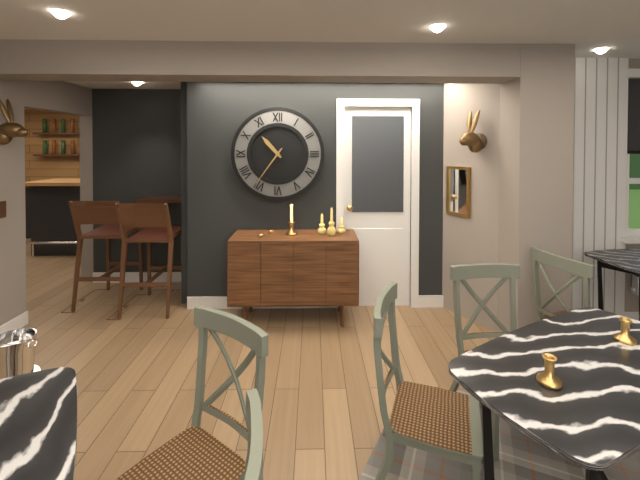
**10:36**
